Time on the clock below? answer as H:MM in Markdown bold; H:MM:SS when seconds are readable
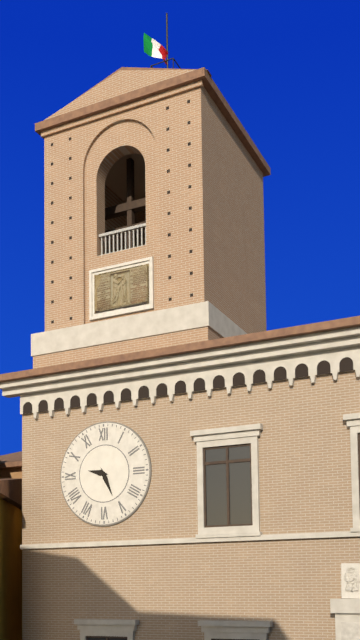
**9:26**
